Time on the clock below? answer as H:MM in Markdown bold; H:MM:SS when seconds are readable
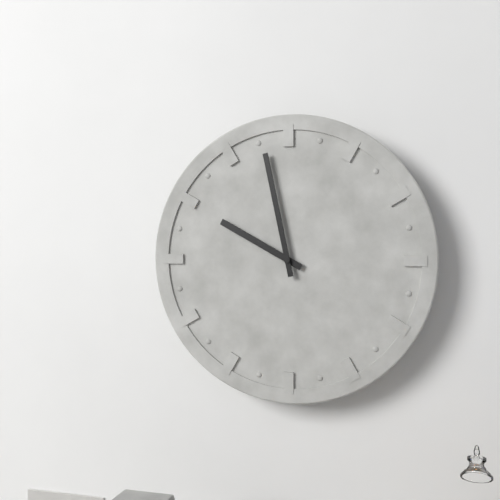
**9:58**
